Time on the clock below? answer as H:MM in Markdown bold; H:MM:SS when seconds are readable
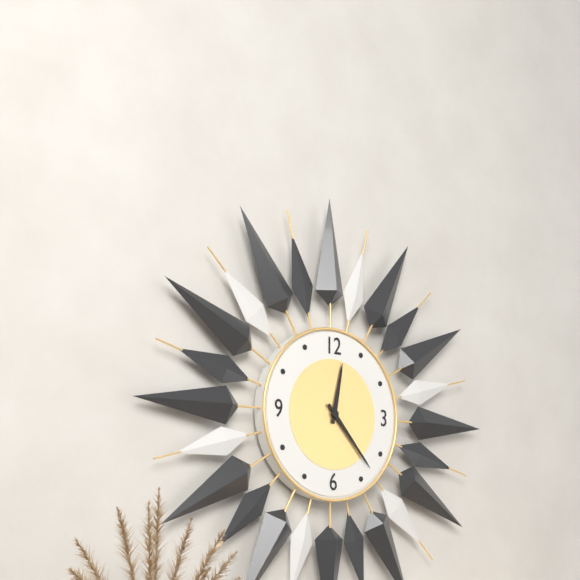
**12:23**
